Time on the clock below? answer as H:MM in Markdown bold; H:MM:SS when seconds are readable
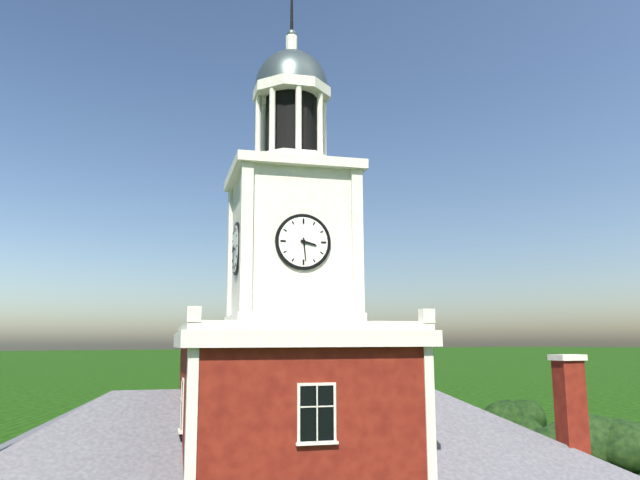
**3:29**
